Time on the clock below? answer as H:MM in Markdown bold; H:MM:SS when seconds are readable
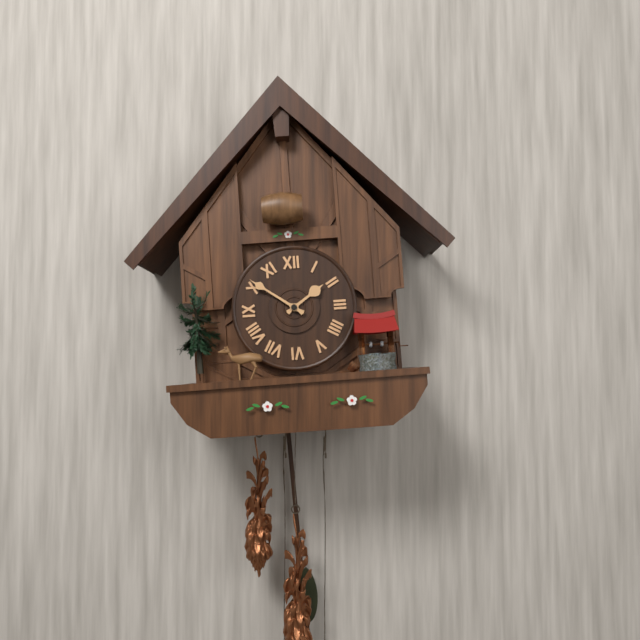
**1:51**
